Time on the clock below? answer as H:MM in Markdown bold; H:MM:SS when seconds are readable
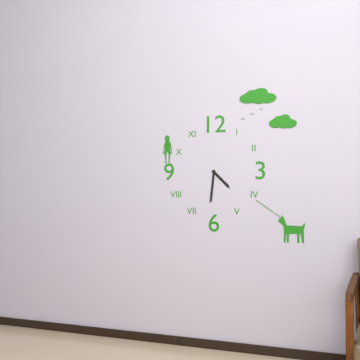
**4:31**
